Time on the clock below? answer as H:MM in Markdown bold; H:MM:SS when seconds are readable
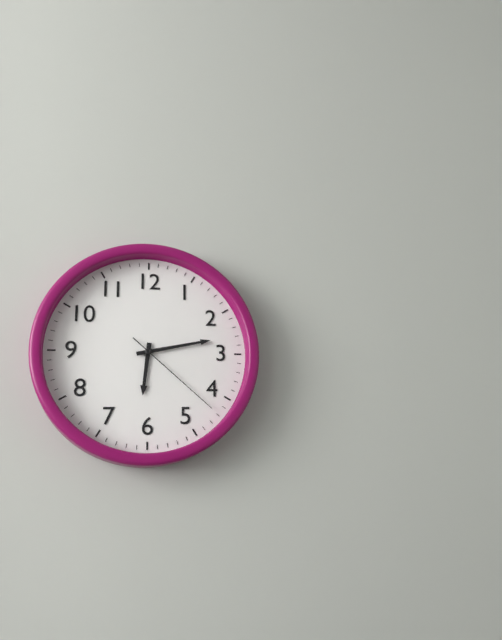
**6:13:22**
